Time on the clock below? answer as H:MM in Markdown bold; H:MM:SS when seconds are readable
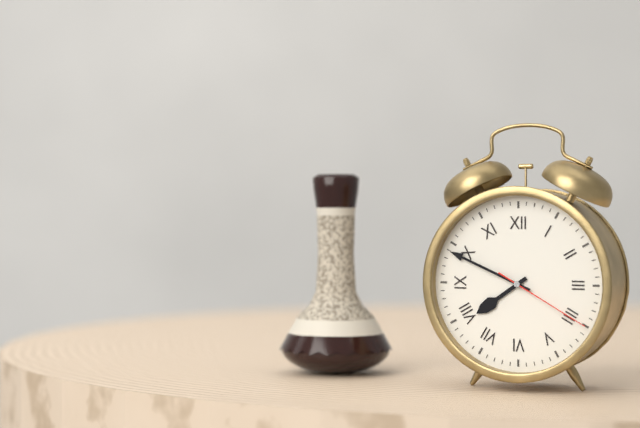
**7:49:20**
